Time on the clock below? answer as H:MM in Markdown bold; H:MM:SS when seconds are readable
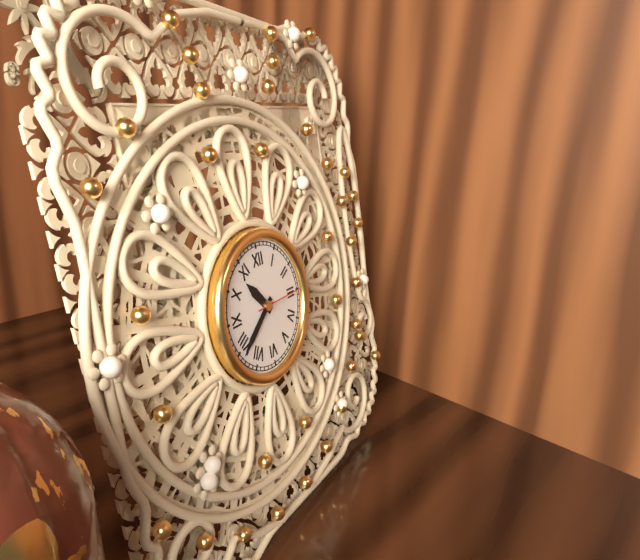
**10:39:15**
